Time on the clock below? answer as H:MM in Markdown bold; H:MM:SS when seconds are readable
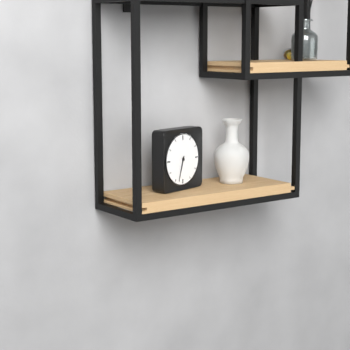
**6:33**
